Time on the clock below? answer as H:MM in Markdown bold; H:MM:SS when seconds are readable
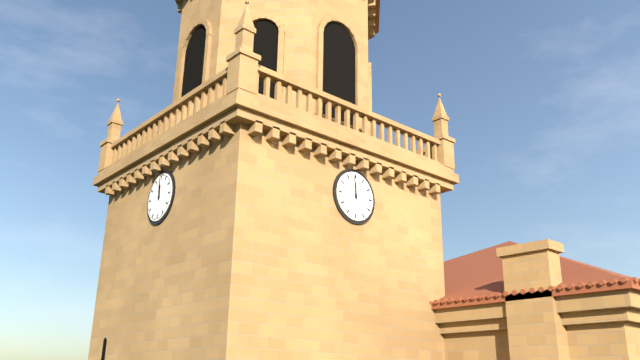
**11:59**
